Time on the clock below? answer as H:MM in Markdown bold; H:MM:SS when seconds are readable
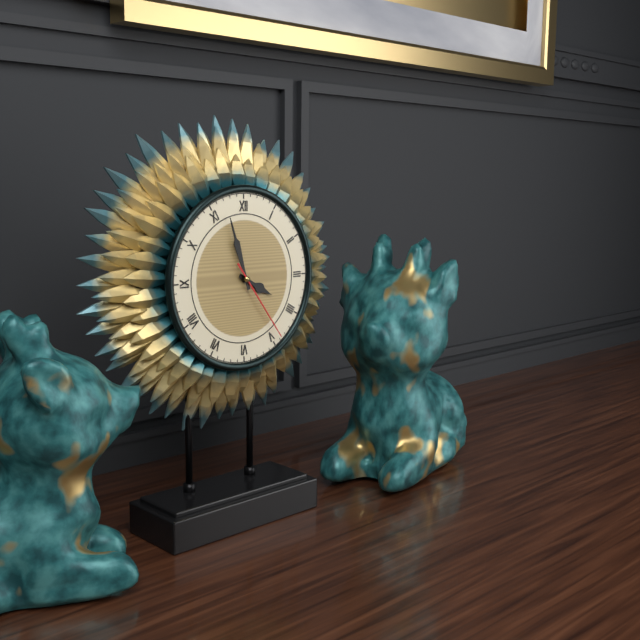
**3:57:24**
